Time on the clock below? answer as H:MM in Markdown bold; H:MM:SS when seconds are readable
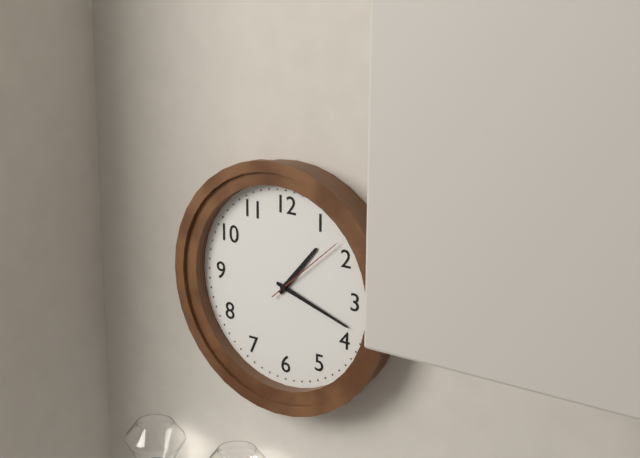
**1:18:08**
